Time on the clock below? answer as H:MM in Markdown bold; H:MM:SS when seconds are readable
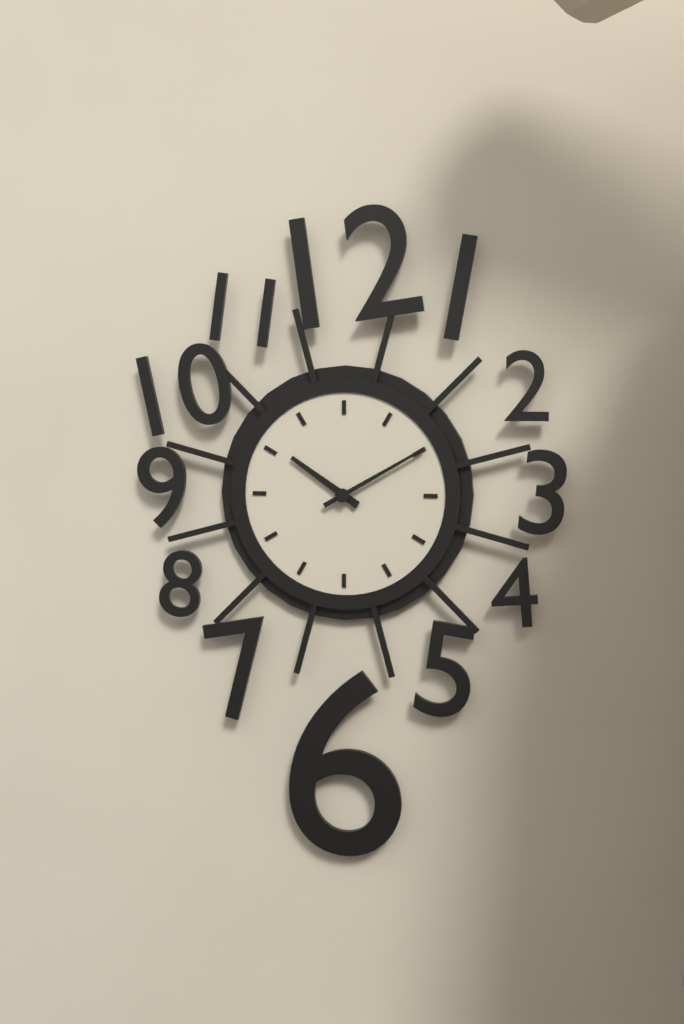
**10:10**
